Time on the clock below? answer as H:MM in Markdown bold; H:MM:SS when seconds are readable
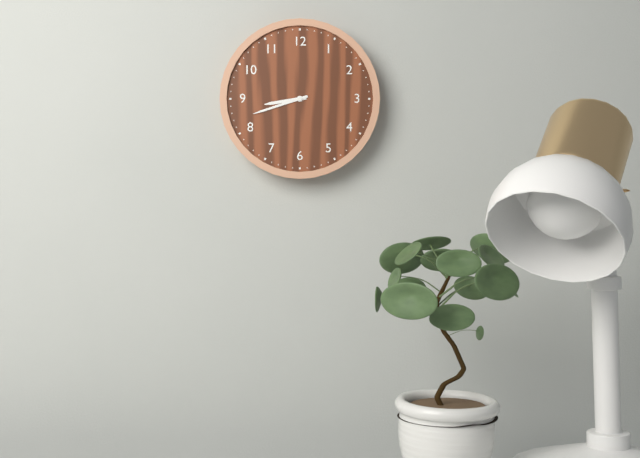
**8:42**
